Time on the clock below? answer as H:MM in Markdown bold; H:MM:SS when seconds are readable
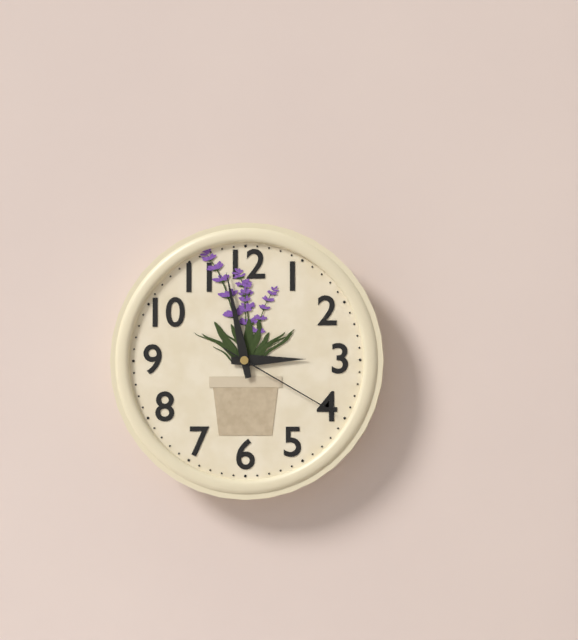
**2:58:20**
